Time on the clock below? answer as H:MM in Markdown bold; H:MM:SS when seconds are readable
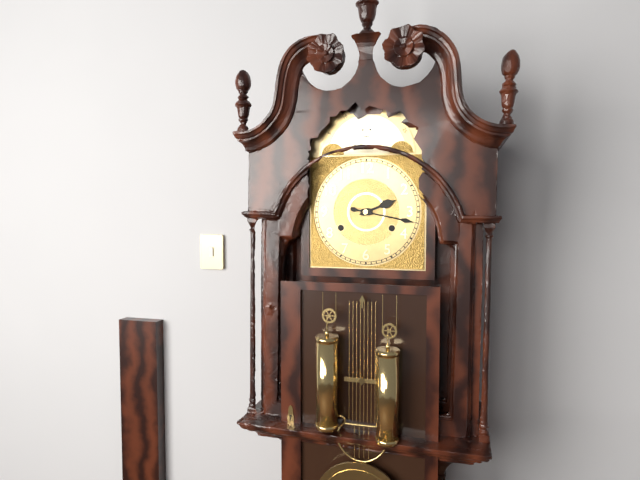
**2:17**
